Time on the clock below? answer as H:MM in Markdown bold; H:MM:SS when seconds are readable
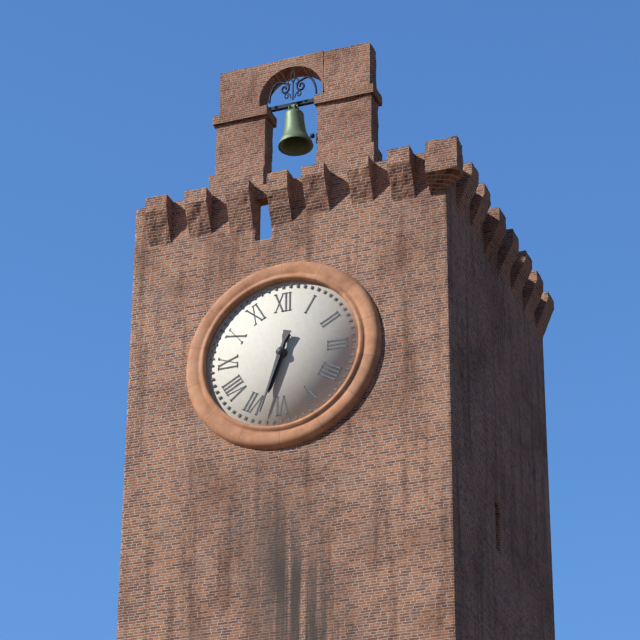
**6:33**
